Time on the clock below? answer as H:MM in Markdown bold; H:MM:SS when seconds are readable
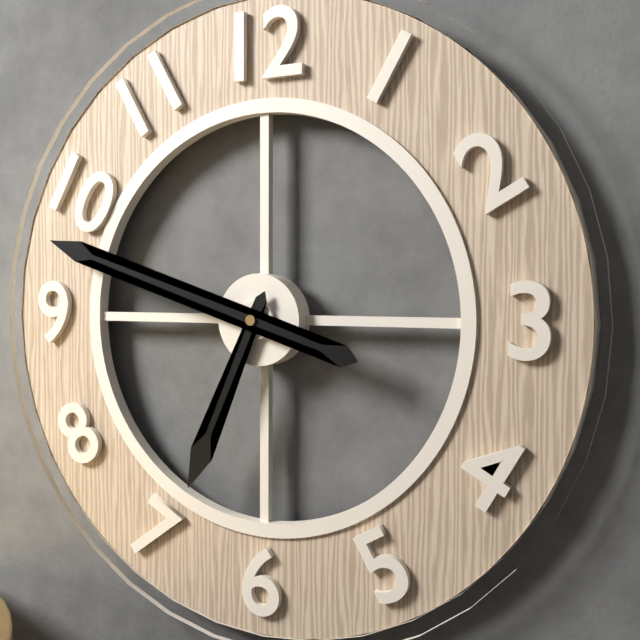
**6:48**
